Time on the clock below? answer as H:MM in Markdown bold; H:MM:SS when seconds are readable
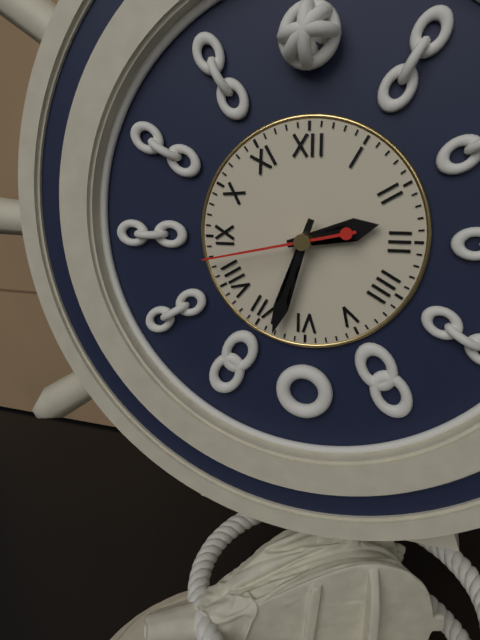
**2:33:43**
